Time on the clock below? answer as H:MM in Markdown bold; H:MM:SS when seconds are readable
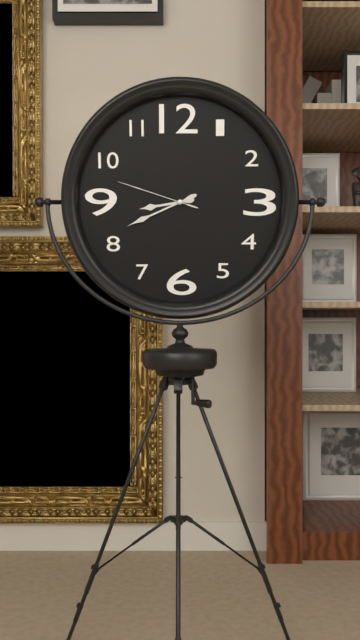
**8:41:48**
